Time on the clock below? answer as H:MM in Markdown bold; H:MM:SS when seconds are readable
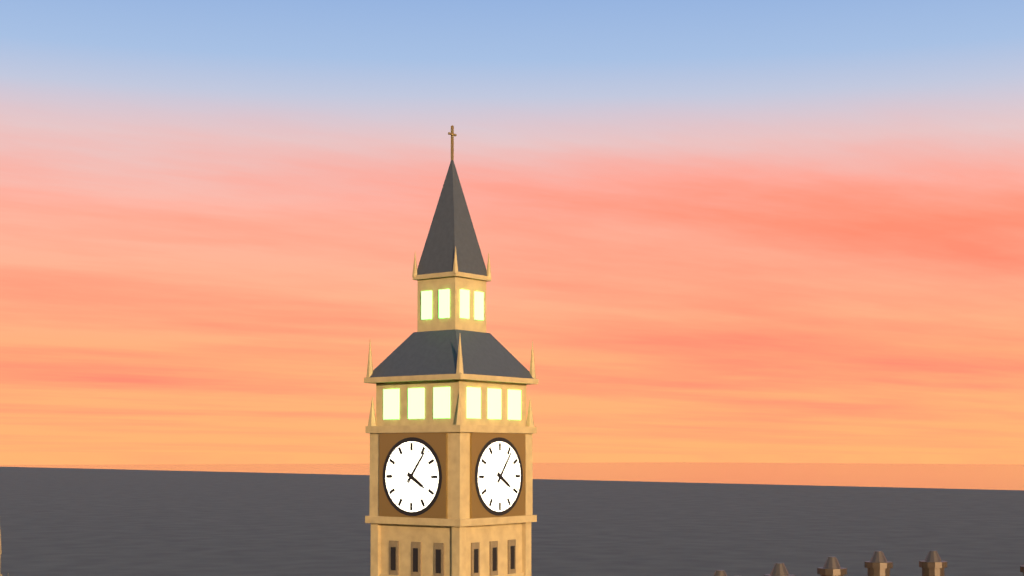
**4:06**
